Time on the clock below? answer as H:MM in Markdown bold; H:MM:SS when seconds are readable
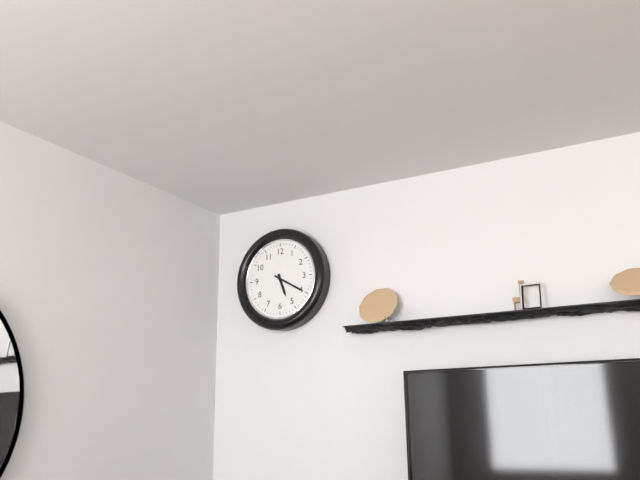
**5:20**
